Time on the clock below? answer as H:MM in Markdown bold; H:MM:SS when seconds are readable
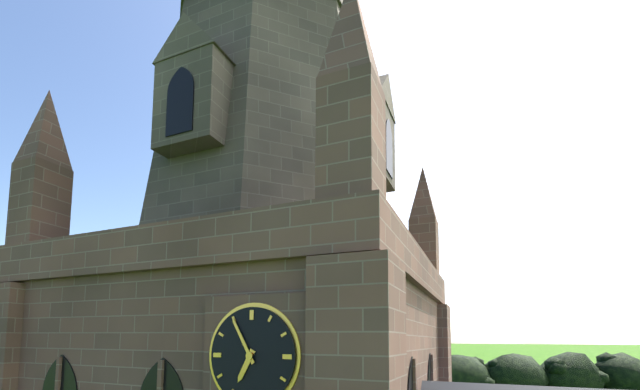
**6:55**
